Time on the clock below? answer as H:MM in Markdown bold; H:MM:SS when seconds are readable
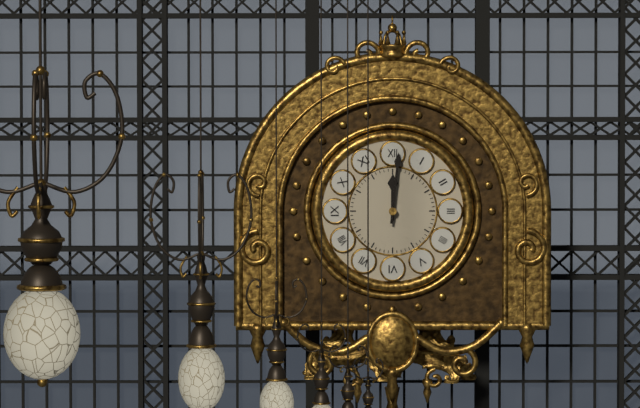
**12:01**
